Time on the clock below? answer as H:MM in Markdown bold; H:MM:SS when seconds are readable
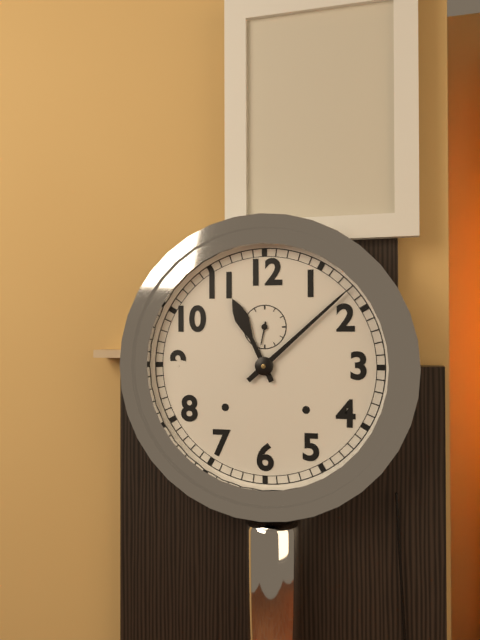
**11:08**
